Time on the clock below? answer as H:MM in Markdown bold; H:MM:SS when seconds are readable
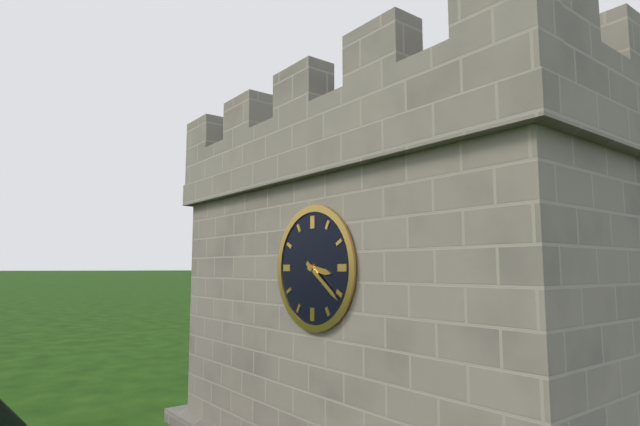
**3:21**
